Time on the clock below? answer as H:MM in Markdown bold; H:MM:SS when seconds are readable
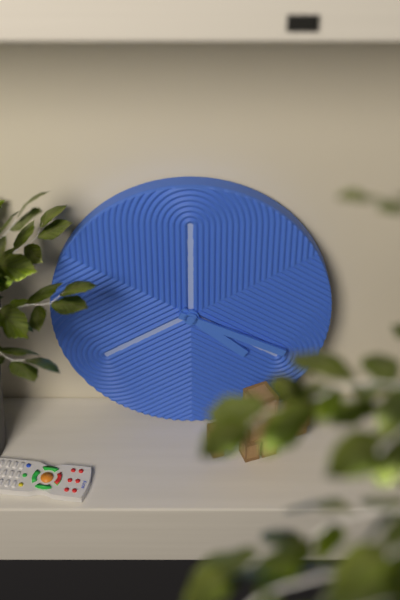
**4:19**
